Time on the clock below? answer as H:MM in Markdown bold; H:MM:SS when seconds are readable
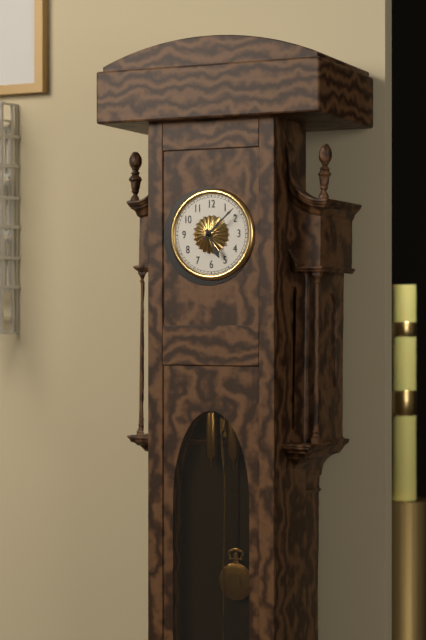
**5:08**
